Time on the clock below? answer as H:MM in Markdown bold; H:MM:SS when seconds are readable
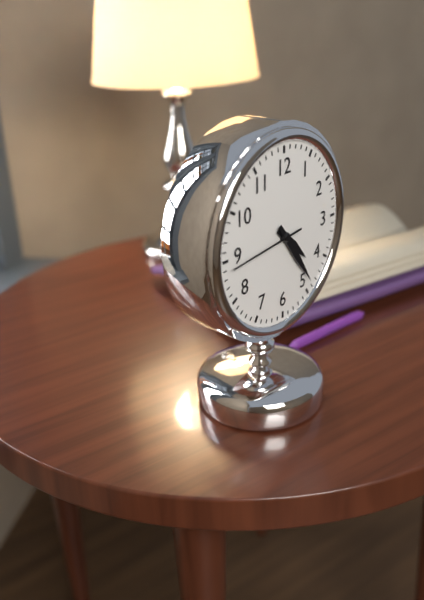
**4:24:44**
